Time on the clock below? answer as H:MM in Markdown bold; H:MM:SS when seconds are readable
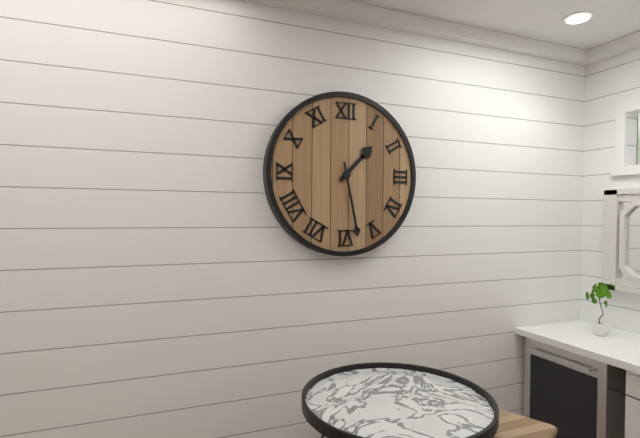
**1:28**
